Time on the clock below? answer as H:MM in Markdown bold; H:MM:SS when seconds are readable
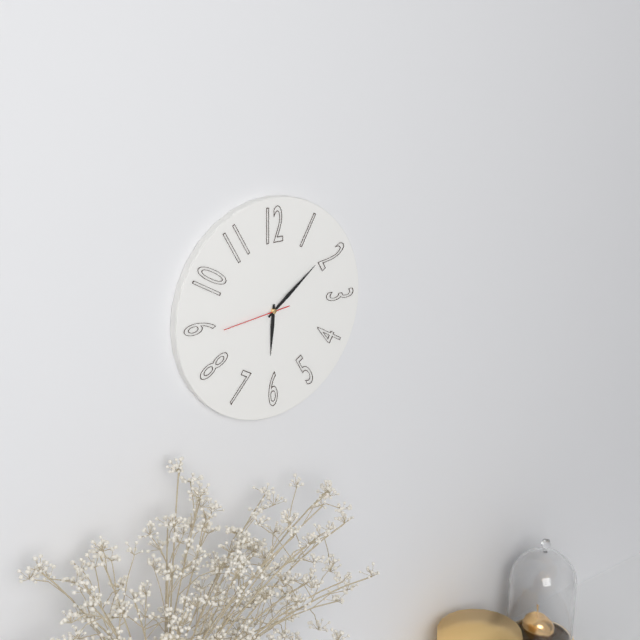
**6:09:44**
